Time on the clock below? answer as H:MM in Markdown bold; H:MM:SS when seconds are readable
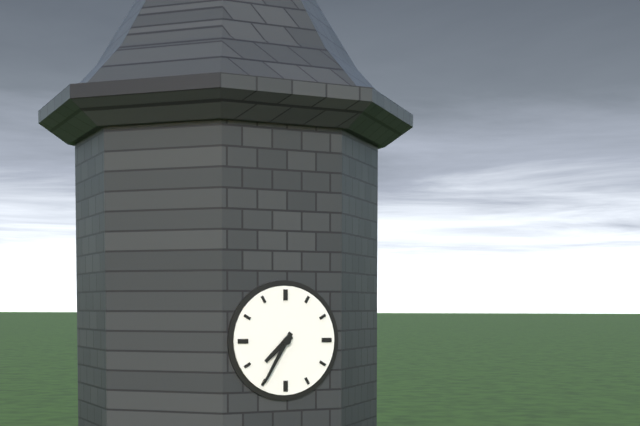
**7:35**
